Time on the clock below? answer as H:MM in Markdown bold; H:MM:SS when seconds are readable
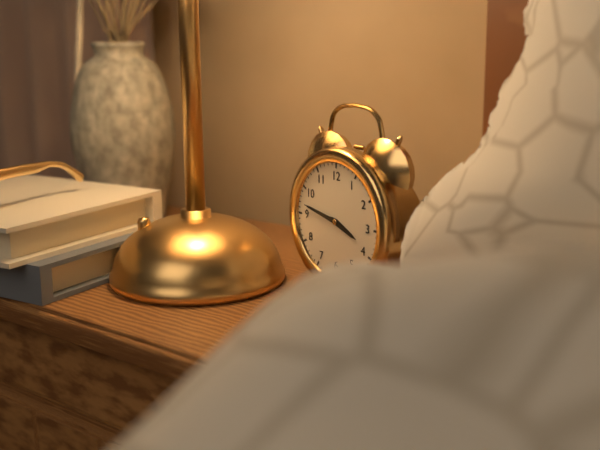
**3:47**
